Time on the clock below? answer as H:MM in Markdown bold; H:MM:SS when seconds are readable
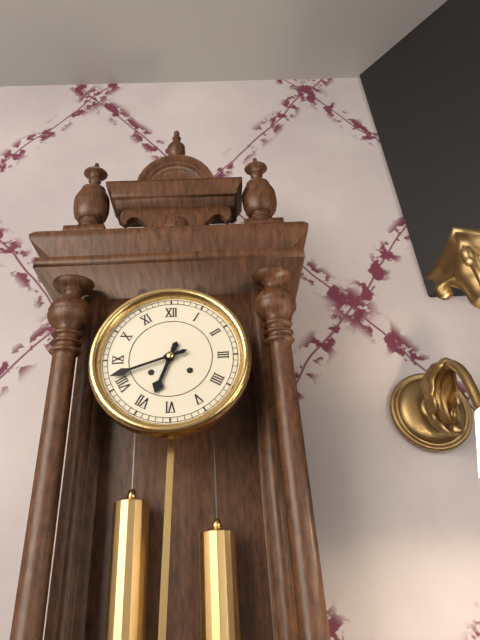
**6:42**
